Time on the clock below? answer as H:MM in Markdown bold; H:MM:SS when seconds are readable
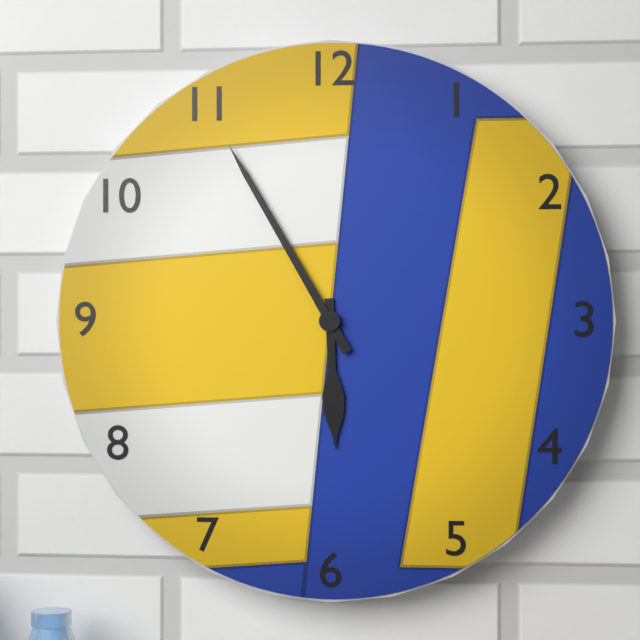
**5:55**
